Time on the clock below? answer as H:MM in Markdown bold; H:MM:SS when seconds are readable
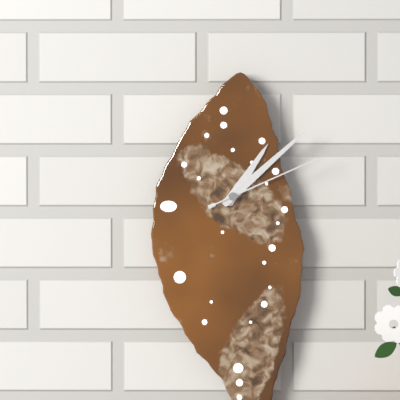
**1:08:11**
